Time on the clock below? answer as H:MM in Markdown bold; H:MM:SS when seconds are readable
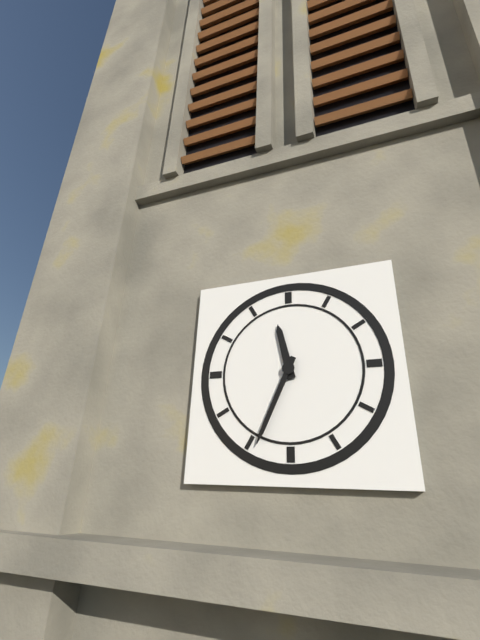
**11:34**
